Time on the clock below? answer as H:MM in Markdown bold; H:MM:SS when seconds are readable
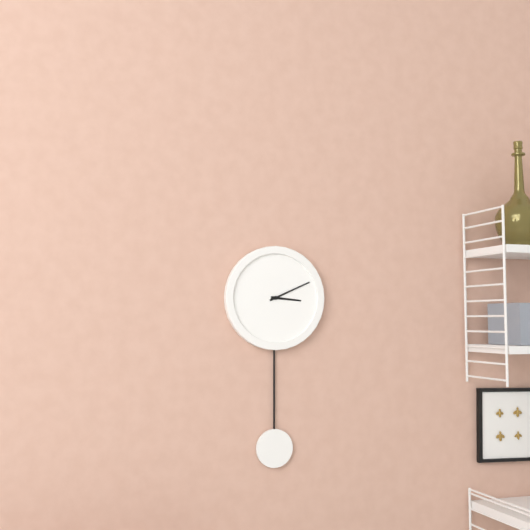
**3:11**
